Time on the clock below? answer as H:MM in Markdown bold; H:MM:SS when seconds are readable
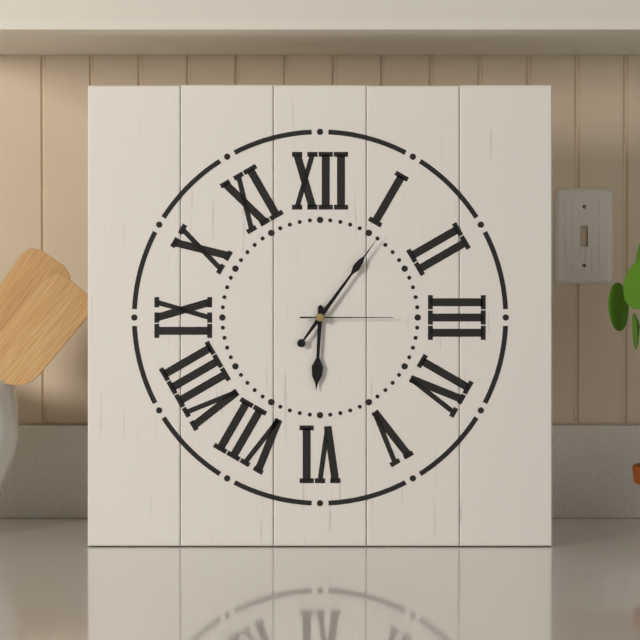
**6:06:15**
